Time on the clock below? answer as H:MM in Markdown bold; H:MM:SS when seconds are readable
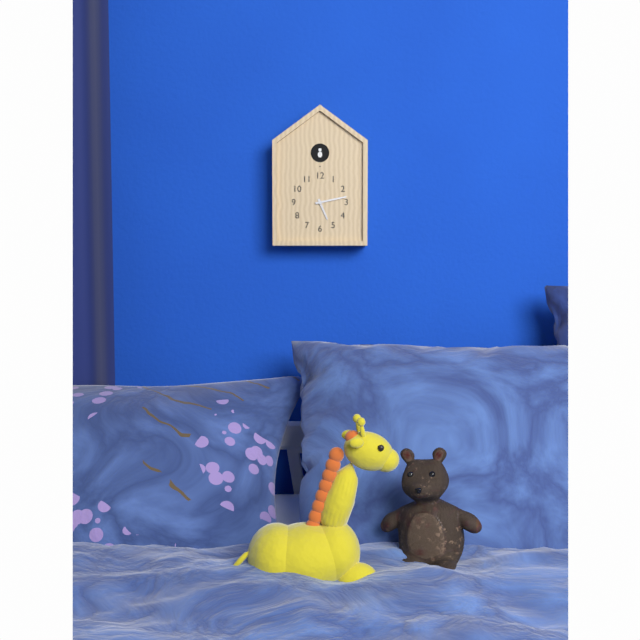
**5:13**
